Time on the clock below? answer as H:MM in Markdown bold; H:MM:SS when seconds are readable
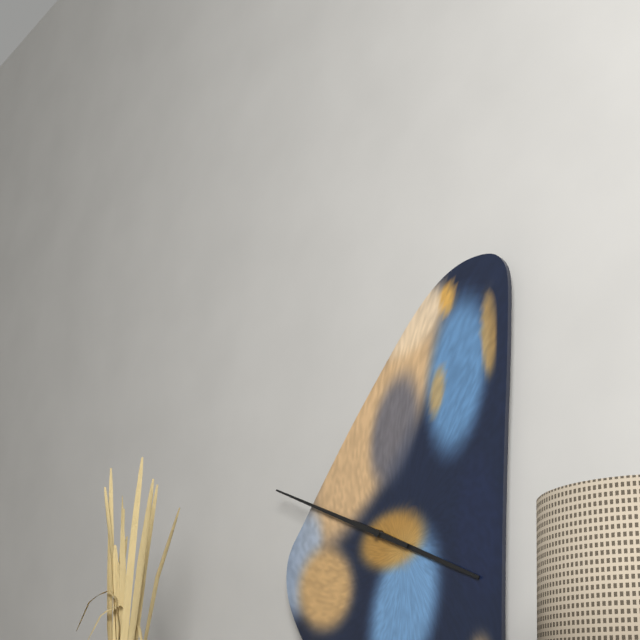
**3:49**
